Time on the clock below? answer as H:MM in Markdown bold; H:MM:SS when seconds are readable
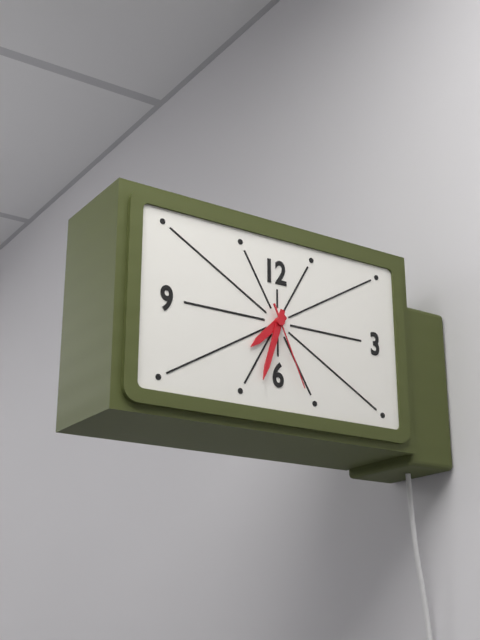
**7:33:26**
